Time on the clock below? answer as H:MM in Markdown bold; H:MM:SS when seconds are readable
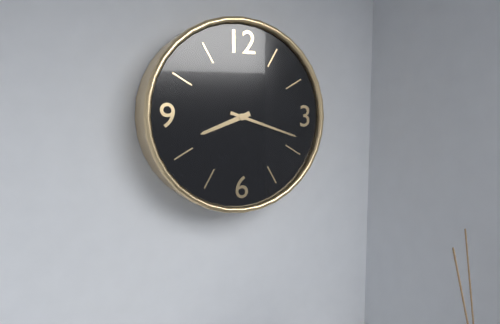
**8:18**
